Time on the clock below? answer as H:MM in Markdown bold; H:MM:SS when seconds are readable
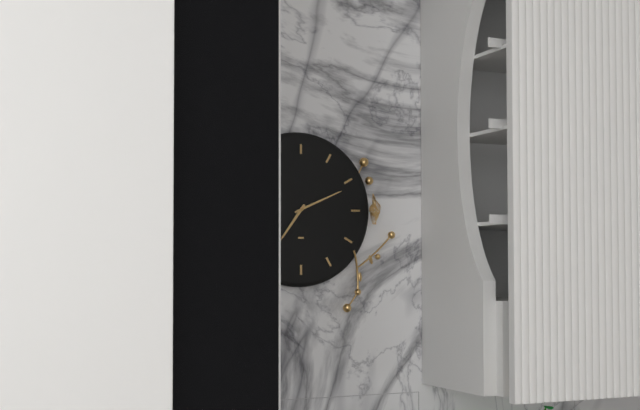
**7:11**
